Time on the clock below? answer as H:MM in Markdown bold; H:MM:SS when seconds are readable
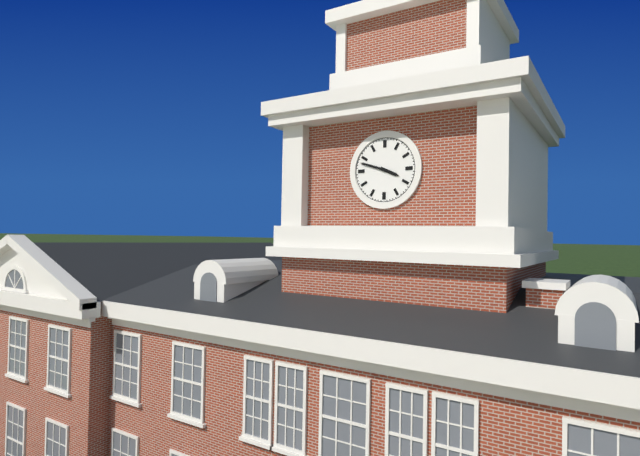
**3:48**
